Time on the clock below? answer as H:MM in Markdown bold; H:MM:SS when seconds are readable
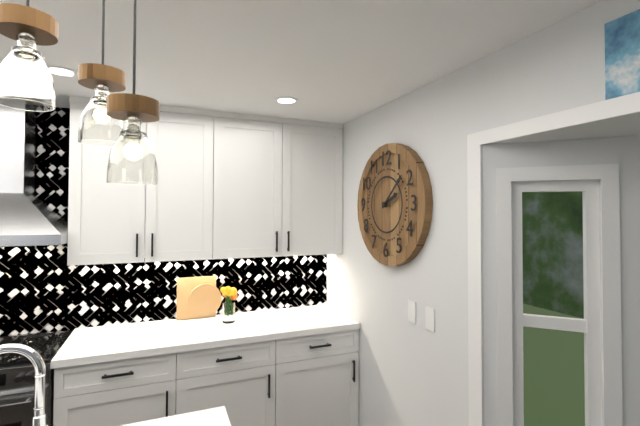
**2:08**
